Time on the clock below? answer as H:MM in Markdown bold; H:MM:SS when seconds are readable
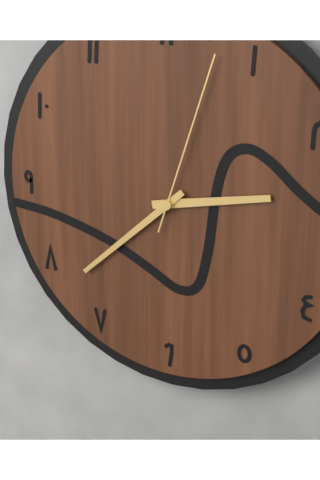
**2:38:03**
